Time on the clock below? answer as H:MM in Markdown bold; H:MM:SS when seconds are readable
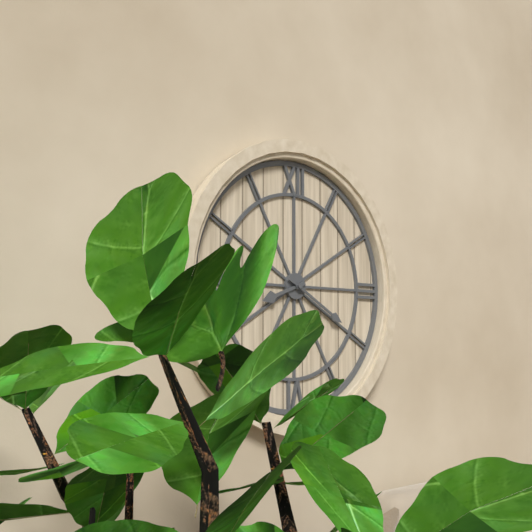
**8:20**
